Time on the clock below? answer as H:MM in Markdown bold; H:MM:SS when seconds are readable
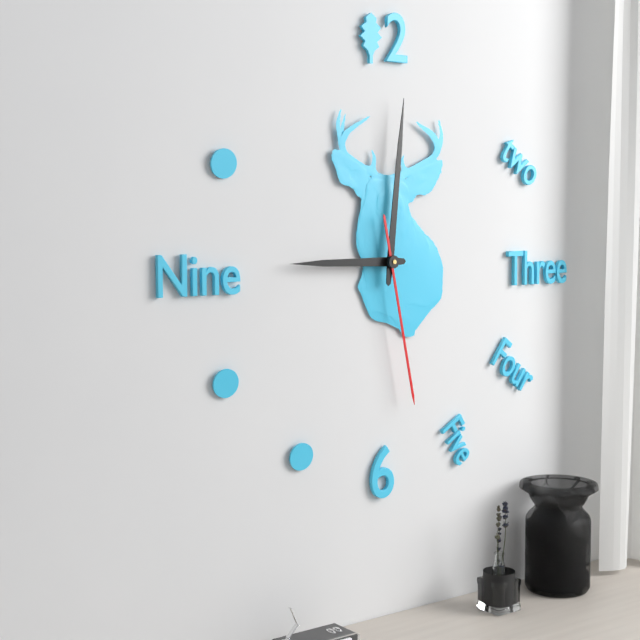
**9:01:28**
